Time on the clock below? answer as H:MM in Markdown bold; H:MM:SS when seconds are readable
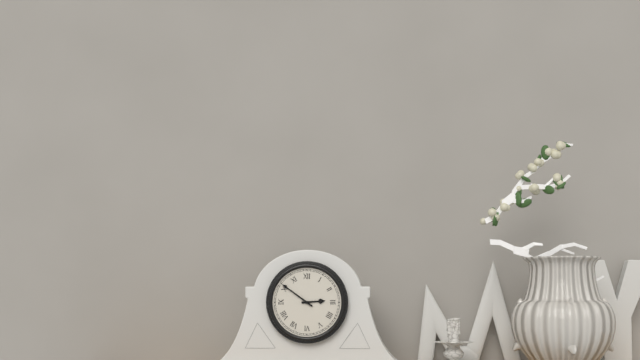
**2:51**
